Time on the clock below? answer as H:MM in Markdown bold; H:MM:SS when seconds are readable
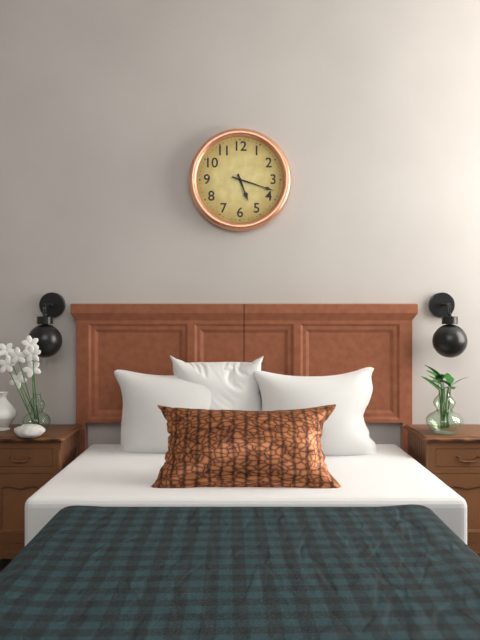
**5:18**
